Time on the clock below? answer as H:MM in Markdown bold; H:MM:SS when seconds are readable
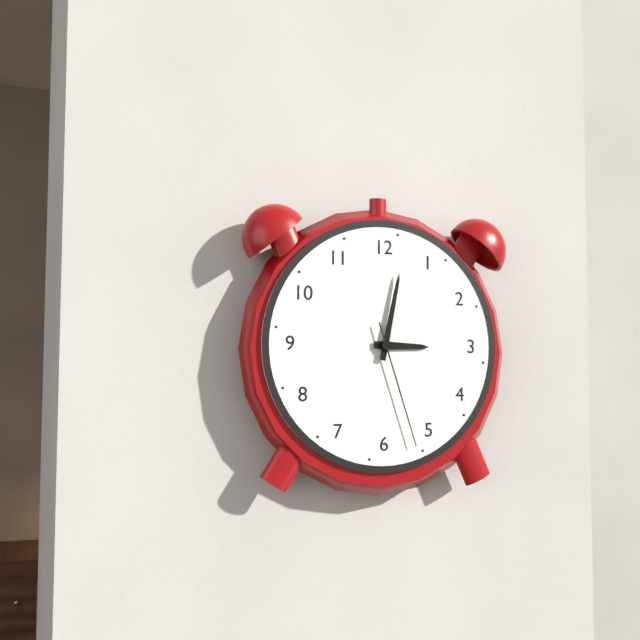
**3:02:27**
